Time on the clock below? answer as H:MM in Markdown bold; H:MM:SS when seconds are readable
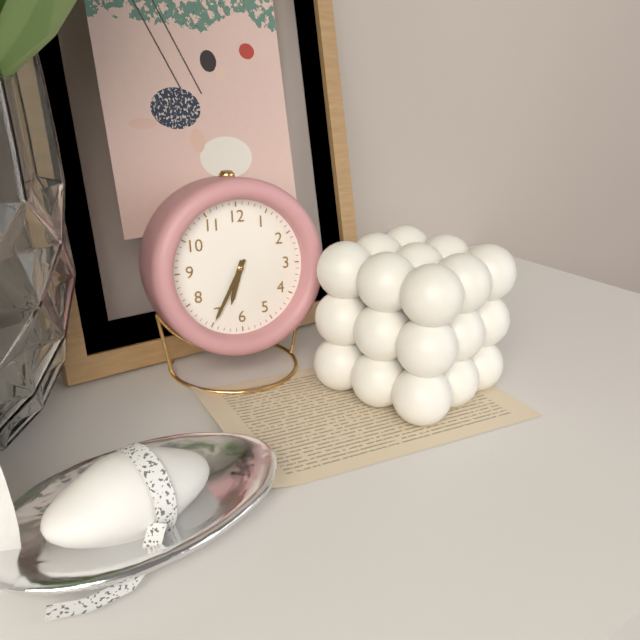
**6:35**
